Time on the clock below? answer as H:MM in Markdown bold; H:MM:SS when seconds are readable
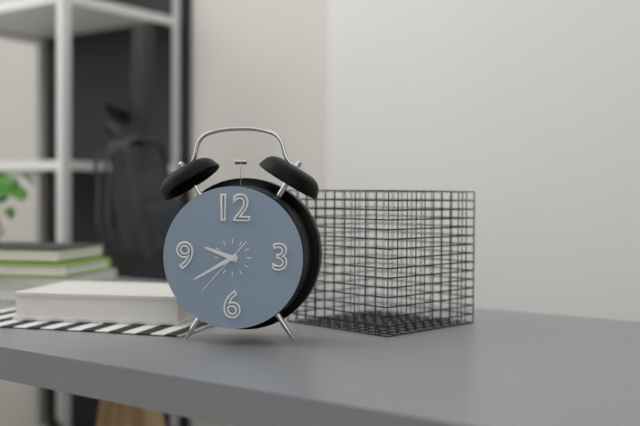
**9:40:37**
